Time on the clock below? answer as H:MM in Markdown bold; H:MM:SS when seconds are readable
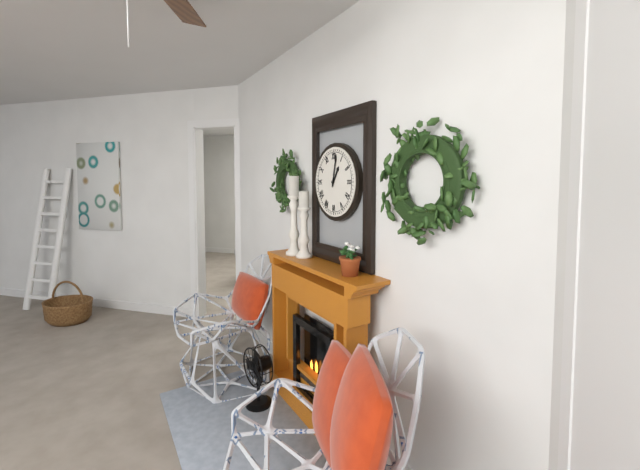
**1:02**
